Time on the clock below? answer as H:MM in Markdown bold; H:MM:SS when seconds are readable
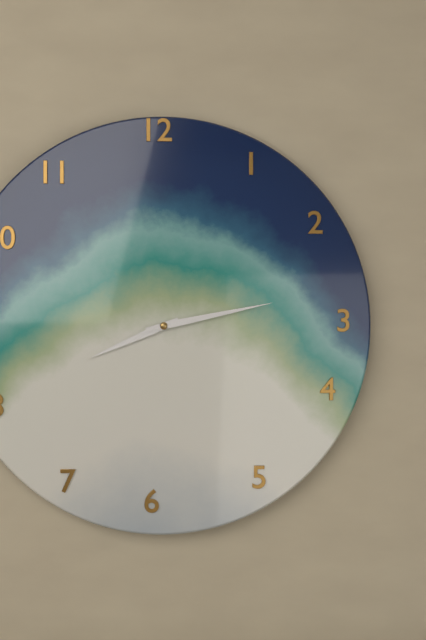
**8:13**
